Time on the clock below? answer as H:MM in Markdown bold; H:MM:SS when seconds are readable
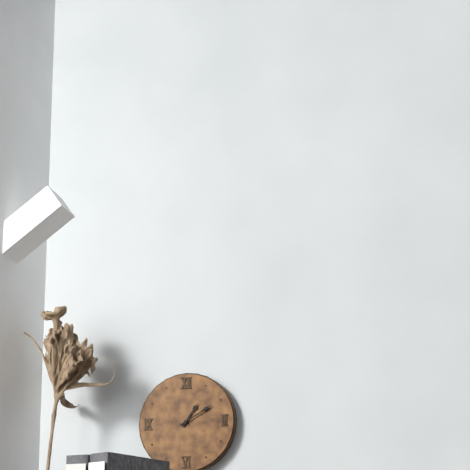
**1:10**
